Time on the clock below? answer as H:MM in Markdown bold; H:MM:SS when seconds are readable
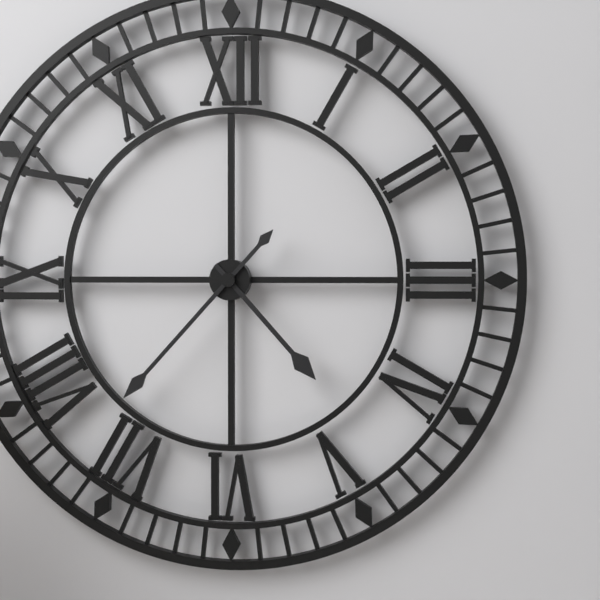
**4:37**
